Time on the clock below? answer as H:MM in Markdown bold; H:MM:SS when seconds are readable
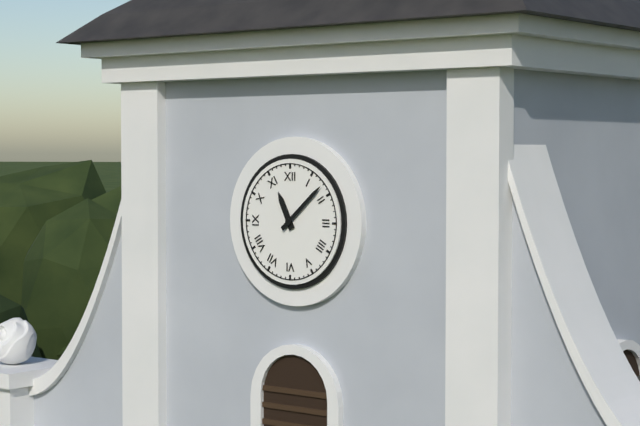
**11:08**
